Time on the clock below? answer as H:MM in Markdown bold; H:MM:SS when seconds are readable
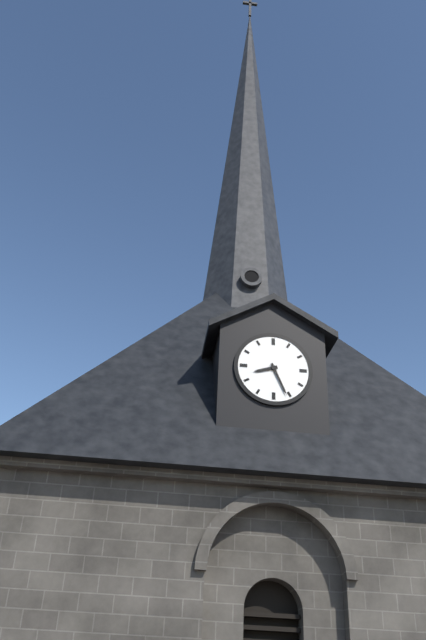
**8:26**
